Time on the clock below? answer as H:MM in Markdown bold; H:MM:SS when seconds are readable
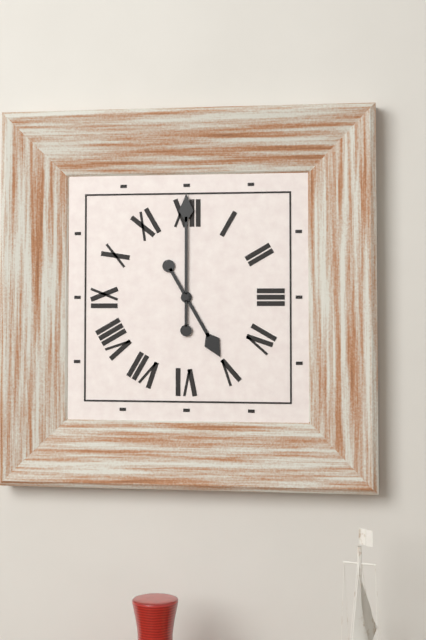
**5:00**
